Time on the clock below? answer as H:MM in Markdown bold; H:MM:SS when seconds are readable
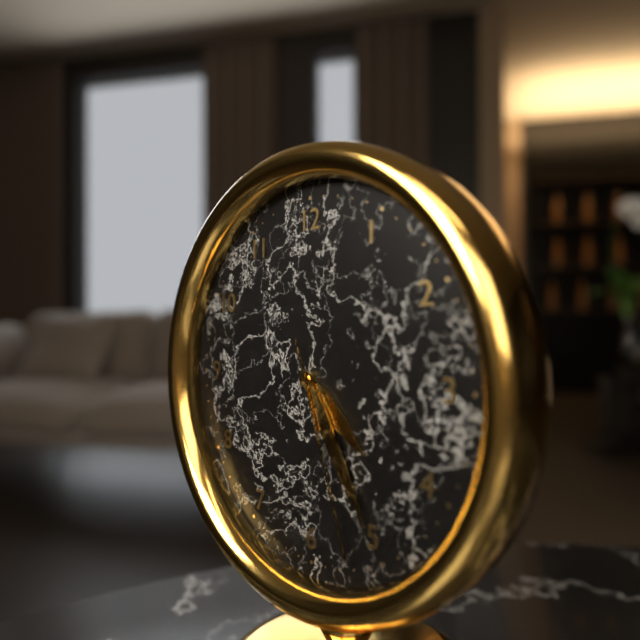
**4:25:27**
